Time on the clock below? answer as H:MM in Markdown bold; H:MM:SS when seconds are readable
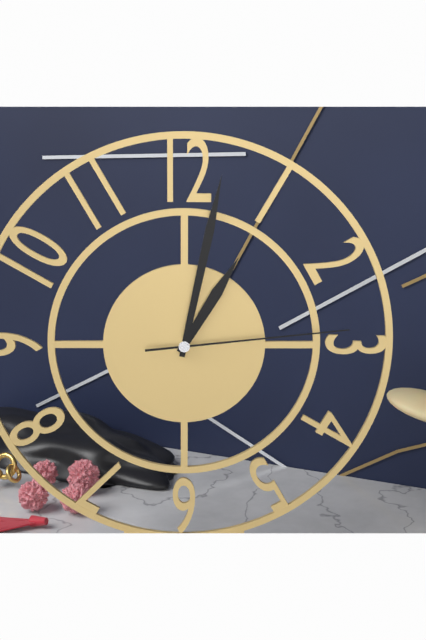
**1:02:14**
